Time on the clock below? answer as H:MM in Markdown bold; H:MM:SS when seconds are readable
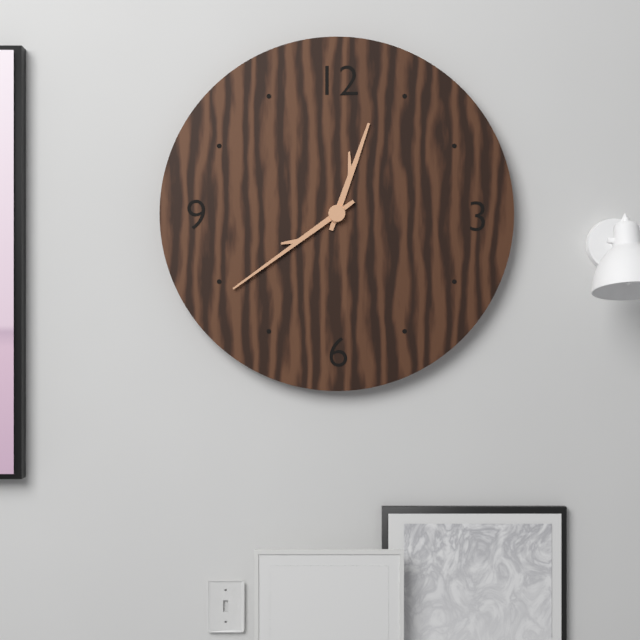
**12:39**
